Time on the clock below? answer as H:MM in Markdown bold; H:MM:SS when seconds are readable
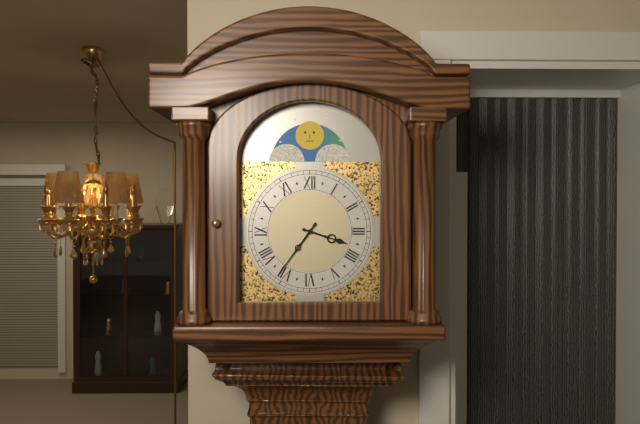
**3:36**
